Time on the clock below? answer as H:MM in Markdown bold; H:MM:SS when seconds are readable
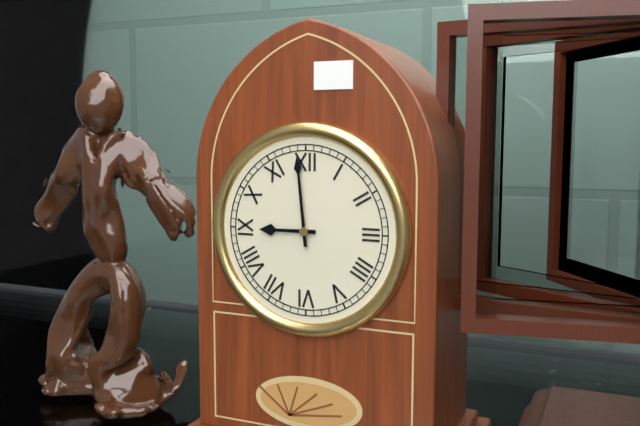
**8:59**
